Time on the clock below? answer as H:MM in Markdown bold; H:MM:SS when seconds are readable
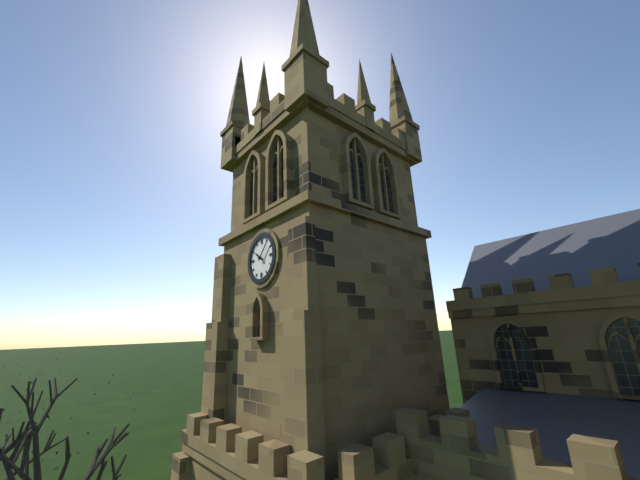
**10:07**
